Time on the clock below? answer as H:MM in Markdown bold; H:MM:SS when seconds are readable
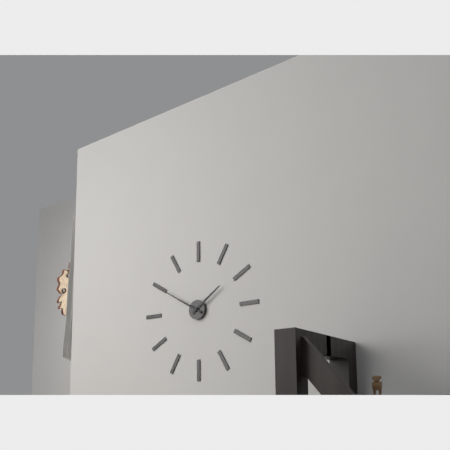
**1:50**
